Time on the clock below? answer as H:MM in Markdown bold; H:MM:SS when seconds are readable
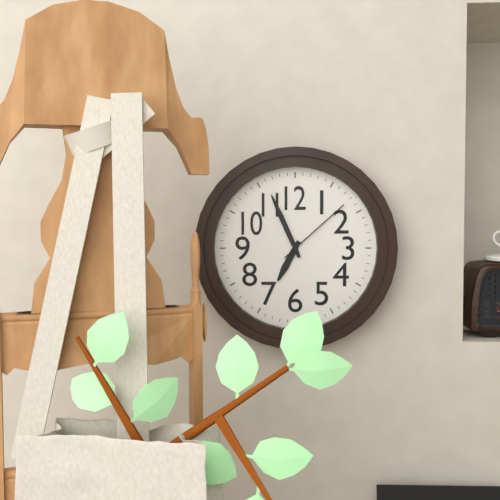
**6:56:08**
